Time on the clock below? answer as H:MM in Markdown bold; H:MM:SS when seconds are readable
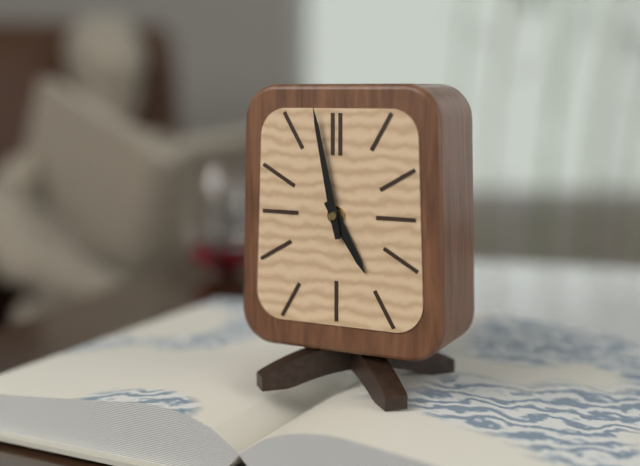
**4:58**
